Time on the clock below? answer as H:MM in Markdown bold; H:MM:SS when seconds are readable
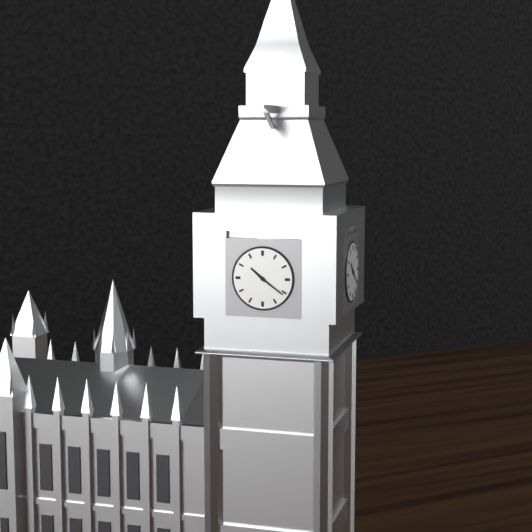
**10:21**
